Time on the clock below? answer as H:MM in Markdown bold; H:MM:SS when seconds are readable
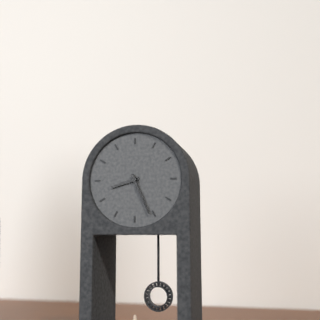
**8:26**
